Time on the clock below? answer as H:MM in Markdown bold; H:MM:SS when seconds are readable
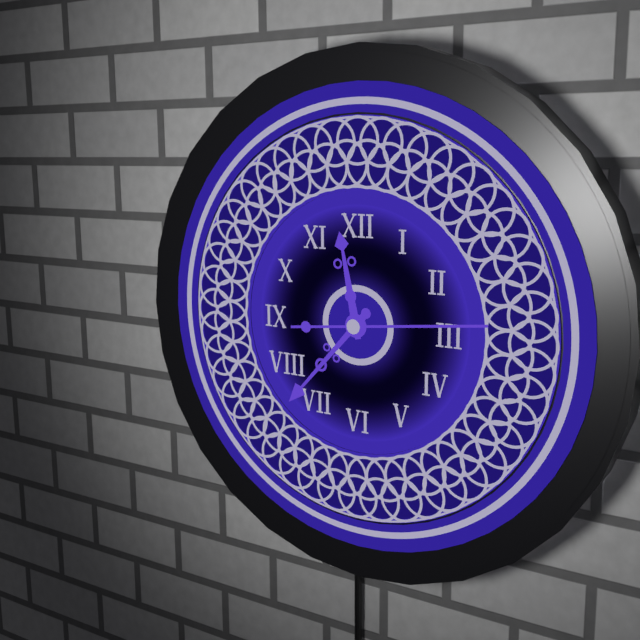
**11:37:14**
